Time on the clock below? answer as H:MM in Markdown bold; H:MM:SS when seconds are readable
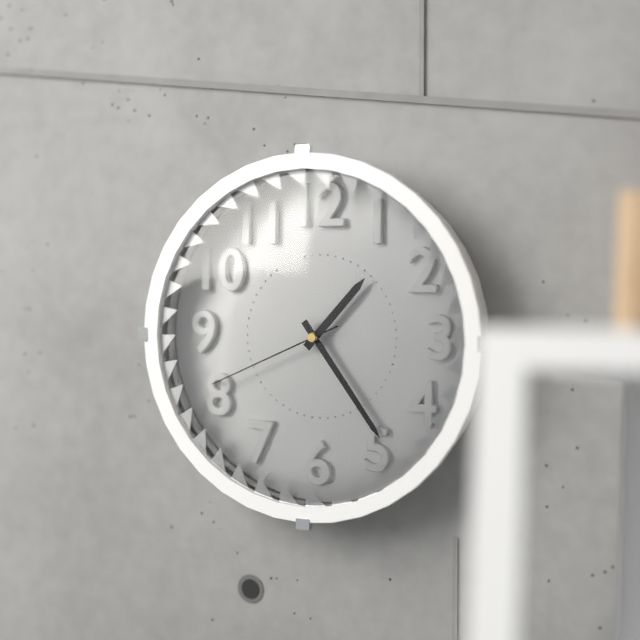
**1:24:41**
